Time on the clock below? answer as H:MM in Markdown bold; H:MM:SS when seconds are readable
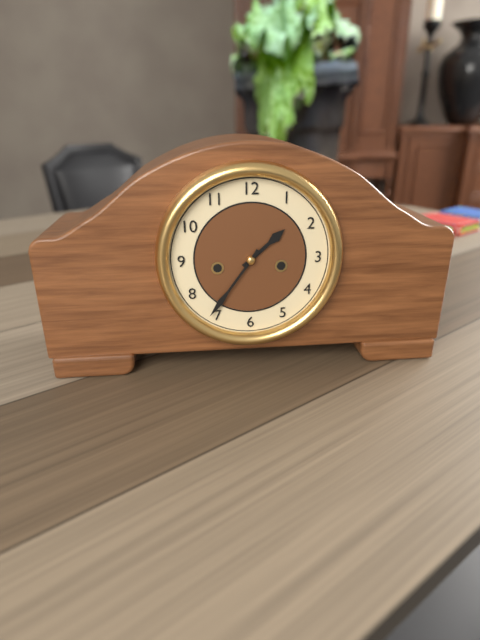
**1:36**
